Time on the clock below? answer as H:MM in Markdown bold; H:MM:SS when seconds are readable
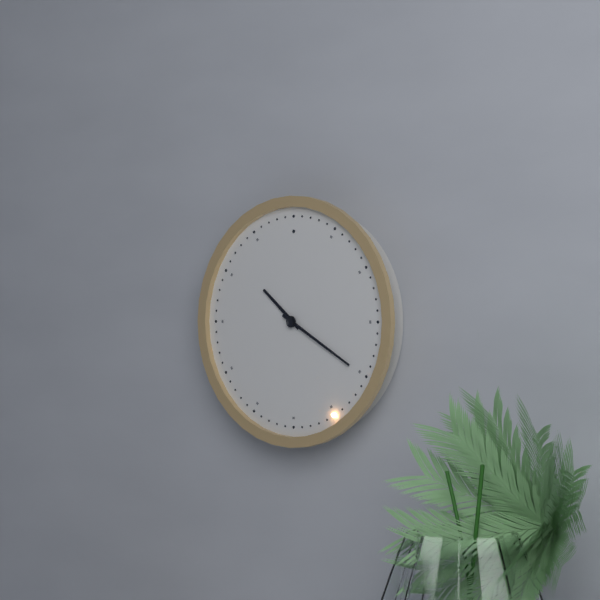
**10:20**
